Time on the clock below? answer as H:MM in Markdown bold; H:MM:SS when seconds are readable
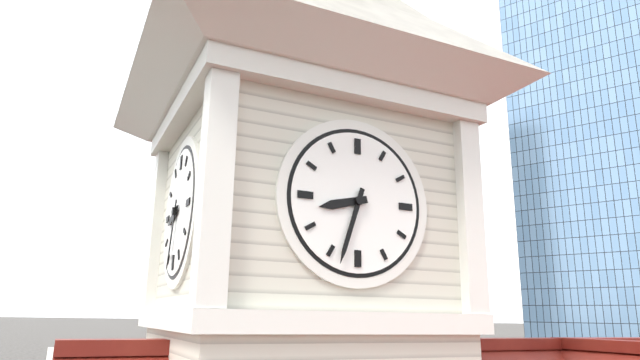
**8:33**
